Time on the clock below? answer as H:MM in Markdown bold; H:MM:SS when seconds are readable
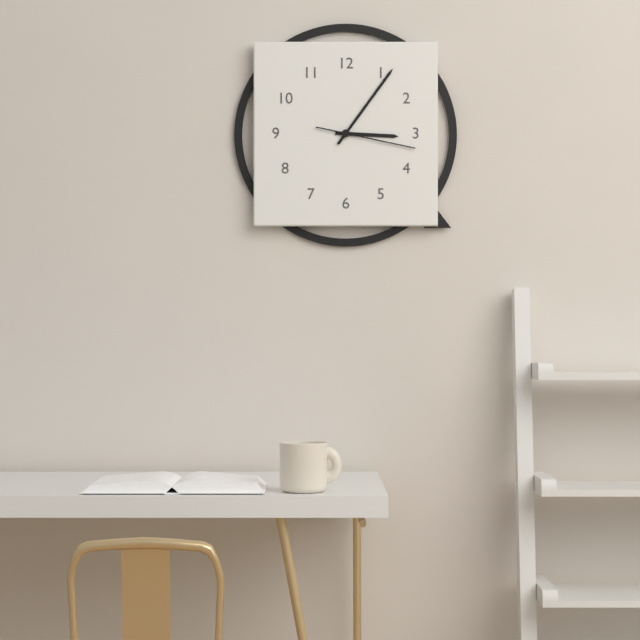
**3:06:17**
